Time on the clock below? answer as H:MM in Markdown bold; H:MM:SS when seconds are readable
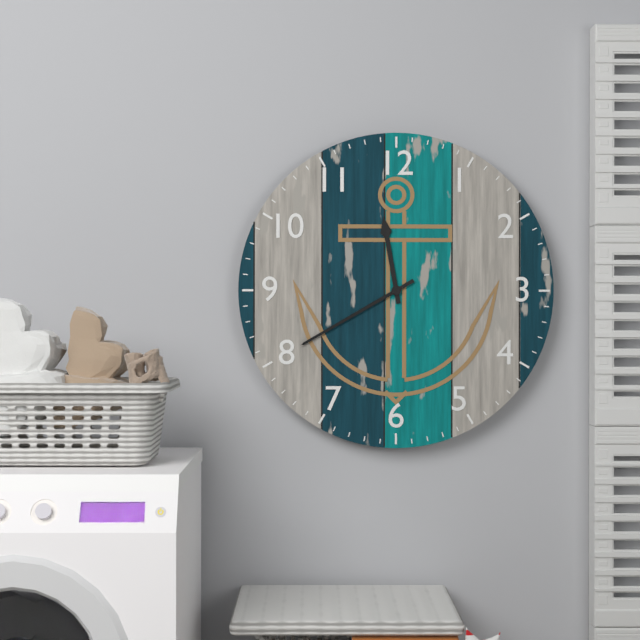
**11:40**
